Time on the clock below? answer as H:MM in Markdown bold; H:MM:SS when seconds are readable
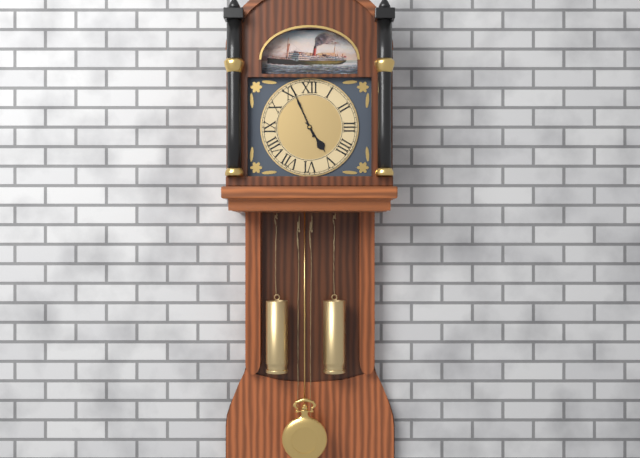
**4:56**
